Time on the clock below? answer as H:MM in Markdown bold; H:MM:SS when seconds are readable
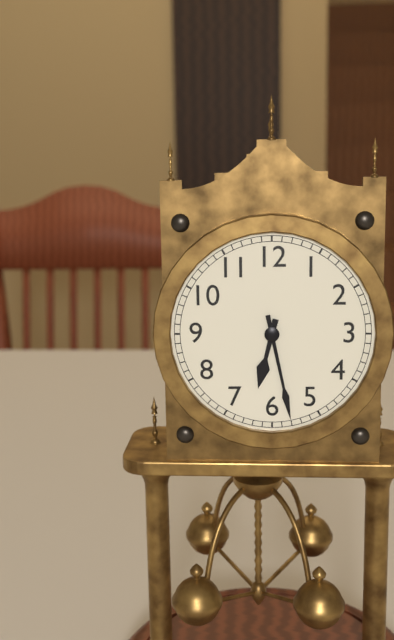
**6:28**
